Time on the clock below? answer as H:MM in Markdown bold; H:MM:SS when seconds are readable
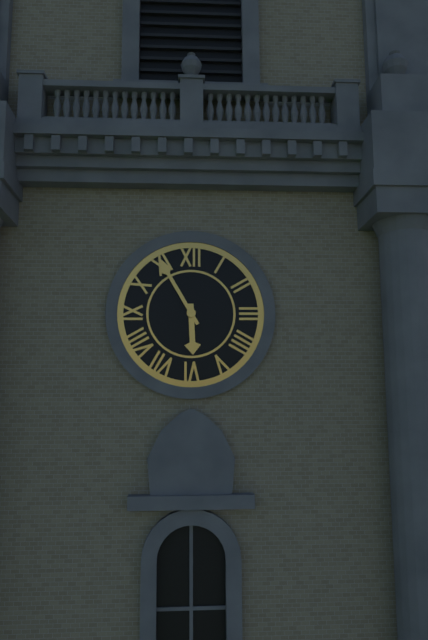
**5:55**
